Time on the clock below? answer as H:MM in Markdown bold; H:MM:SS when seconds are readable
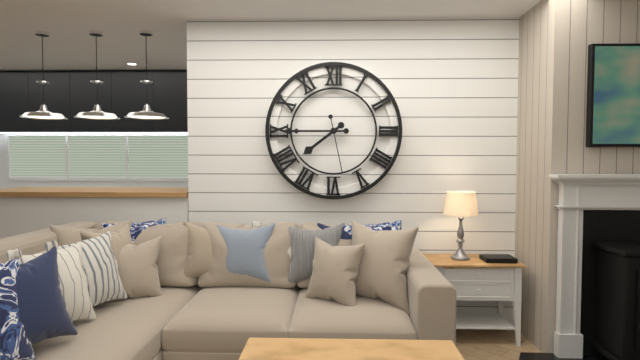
**7:45:28**
